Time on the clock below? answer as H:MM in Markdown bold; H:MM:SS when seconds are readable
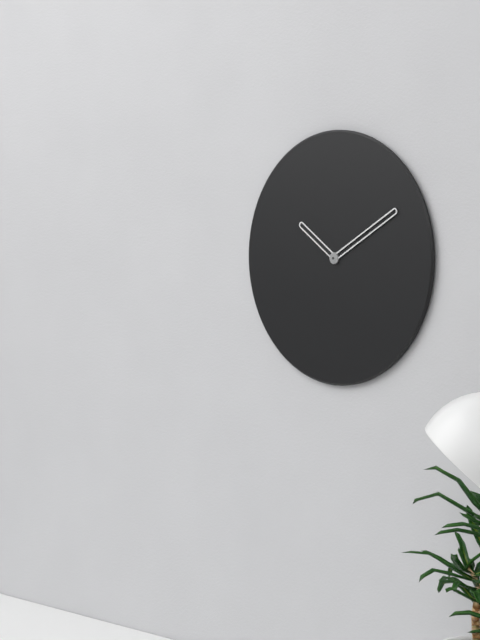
**10:10**
